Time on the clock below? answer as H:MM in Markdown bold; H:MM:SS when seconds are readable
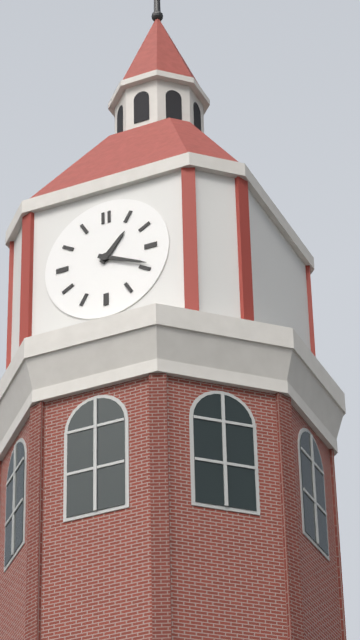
**1:19**
